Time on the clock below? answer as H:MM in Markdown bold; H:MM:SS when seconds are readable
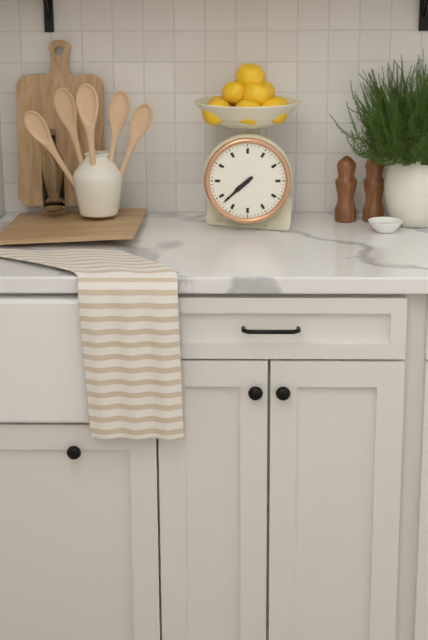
**7:38**
